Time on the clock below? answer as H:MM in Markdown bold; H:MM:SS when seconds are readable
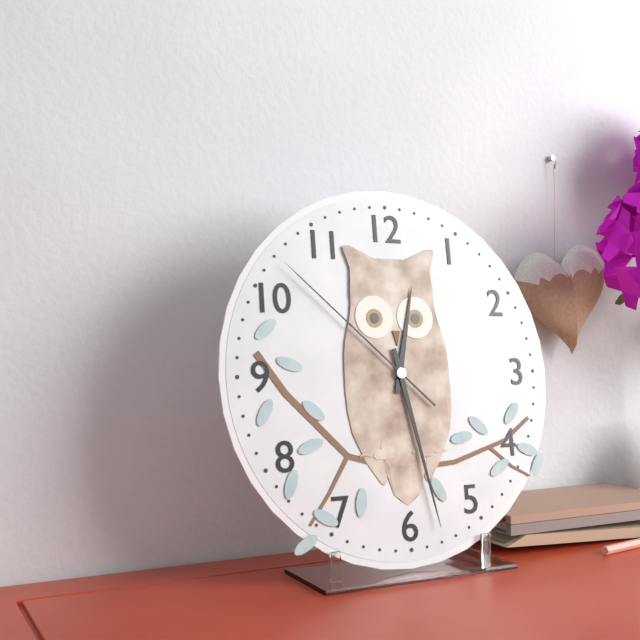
**12:28:52**
